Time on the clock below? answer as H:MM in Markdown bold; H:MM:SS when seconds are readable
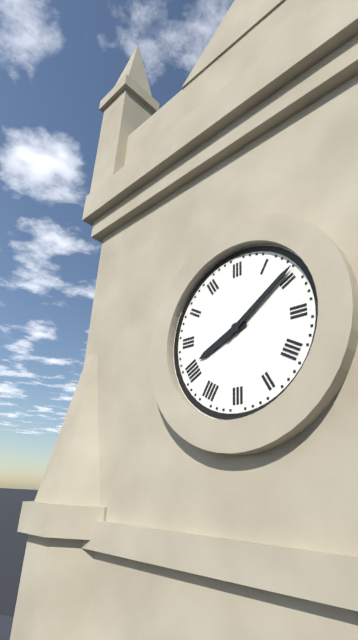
**8:09**
